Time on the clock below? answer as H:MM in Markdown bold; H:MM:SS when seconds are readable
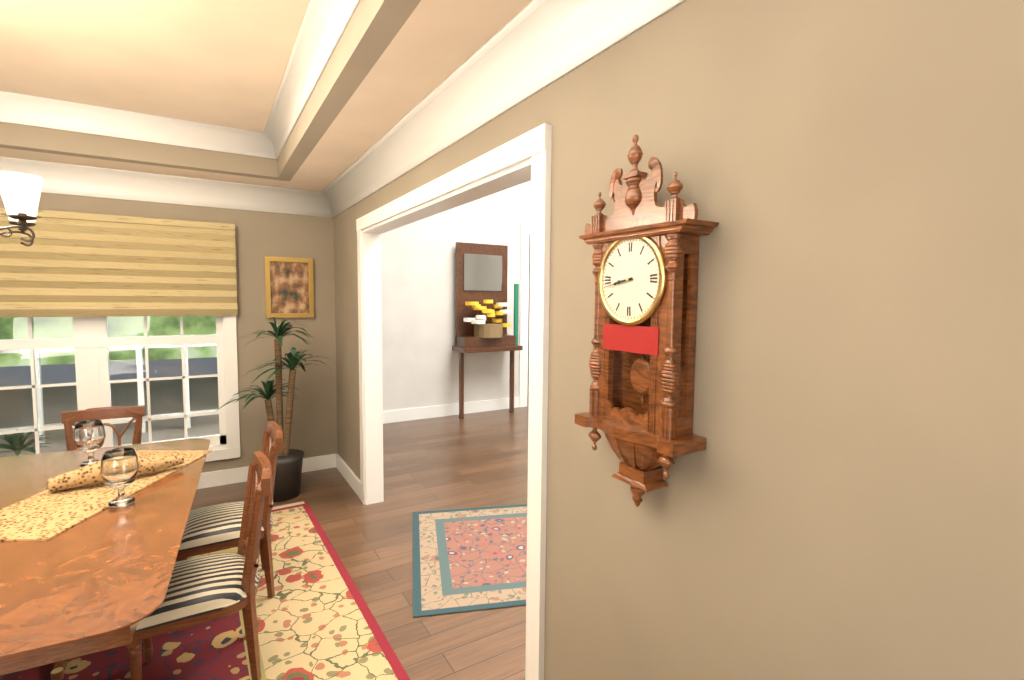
**8:43**
